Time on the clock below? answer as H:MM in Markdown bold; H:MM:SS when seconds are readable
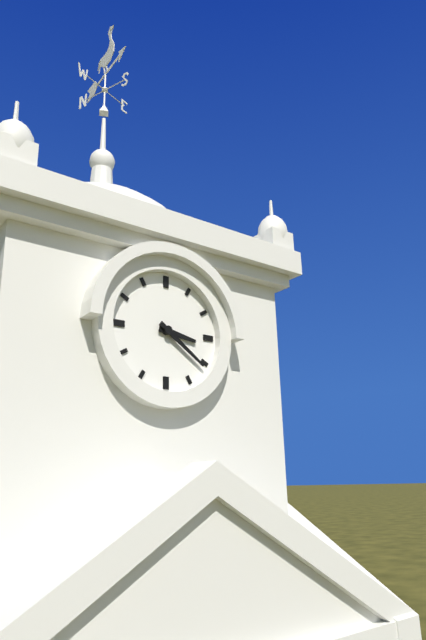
**3:21**
